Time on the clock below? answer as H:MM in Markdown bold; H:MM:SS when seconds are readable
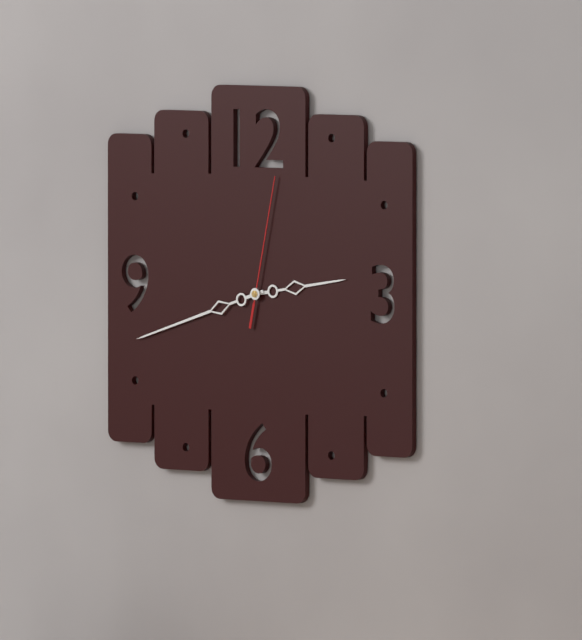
**2:42:02**
